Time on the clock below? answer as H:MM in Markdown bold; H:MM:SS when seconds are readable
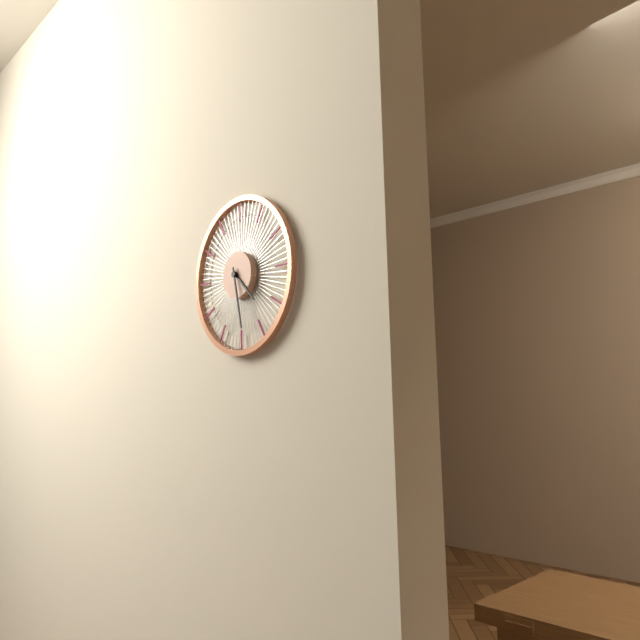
**4:28**
